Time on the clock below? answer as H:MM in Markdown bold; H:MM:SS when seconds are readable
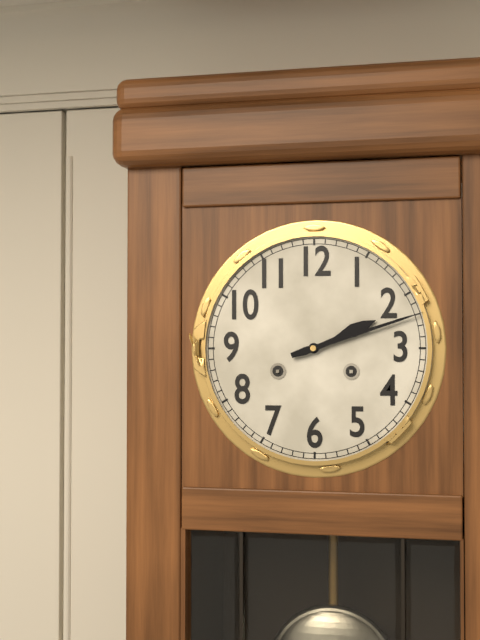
**2:12**
